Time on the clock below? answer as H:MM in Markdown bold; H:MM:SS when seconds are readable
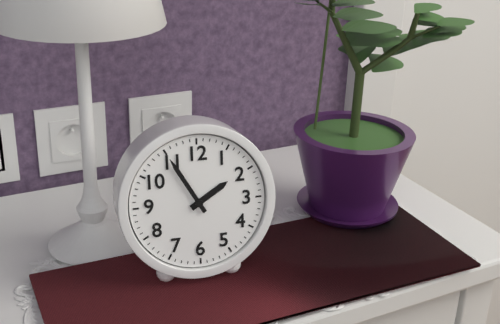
**1:55**
